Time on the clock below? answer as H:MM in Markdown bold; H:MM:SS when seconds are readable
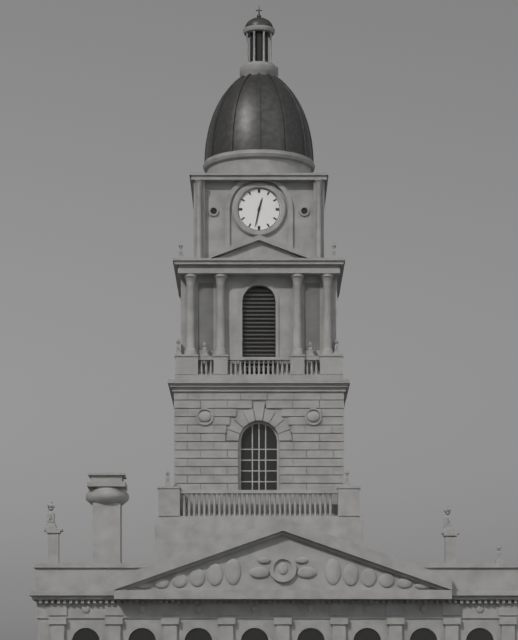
**12:32**
